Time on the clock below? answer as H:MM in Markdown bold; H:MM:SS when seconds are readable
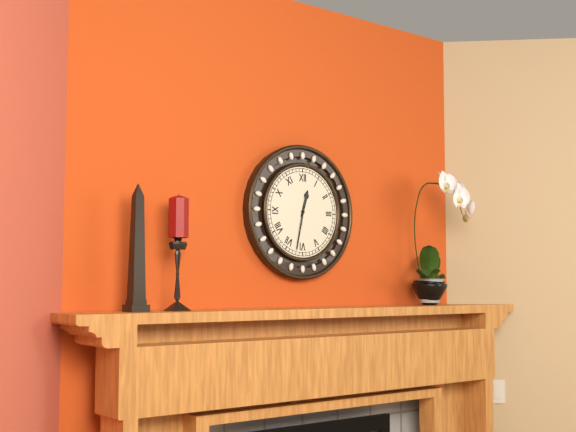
**12:32**
